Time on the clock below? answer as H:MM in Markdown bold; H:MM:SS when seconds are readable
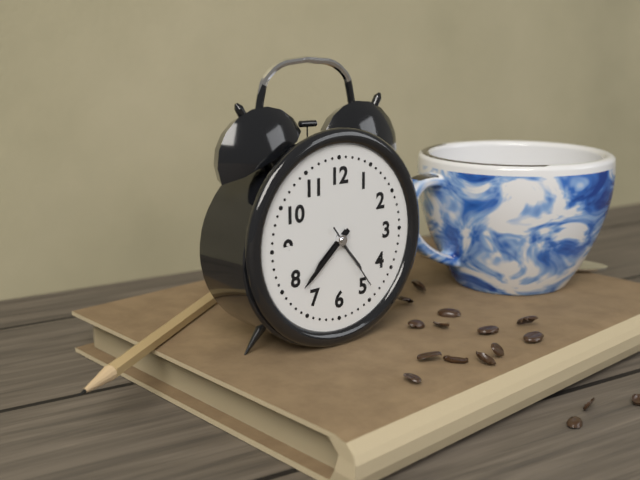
**7:38:24**
